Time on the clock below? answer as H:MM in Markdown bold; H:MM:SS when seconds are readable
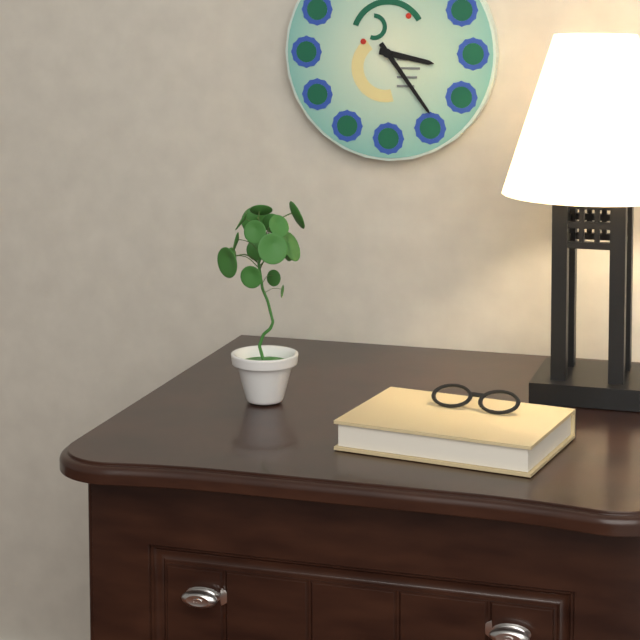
**3:24**
